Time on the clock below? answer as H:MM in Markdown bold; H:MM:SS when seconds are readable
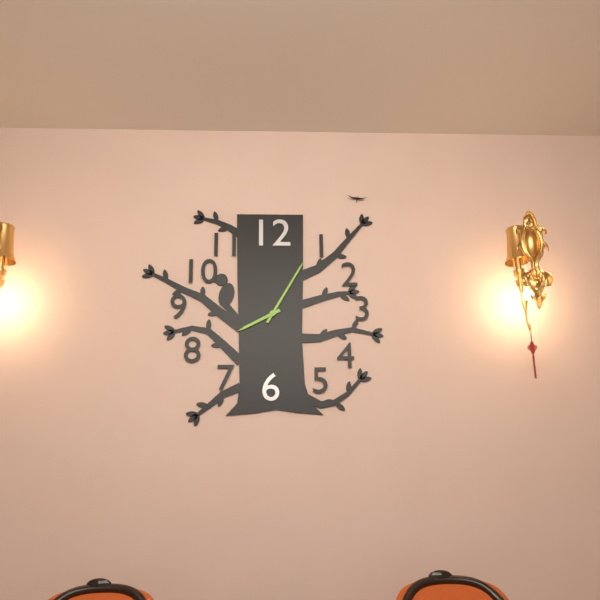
**8:05**
